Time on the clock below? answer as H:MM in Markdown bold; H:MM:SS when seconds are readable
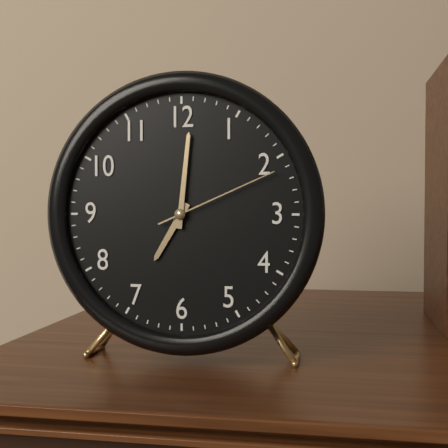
**7:01:11**
